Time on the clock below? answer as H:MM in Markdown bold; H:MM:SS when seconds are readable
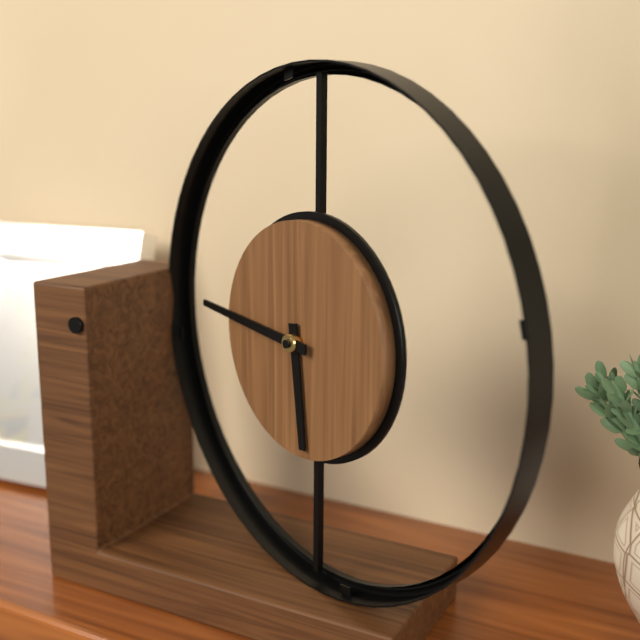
**5:46**
